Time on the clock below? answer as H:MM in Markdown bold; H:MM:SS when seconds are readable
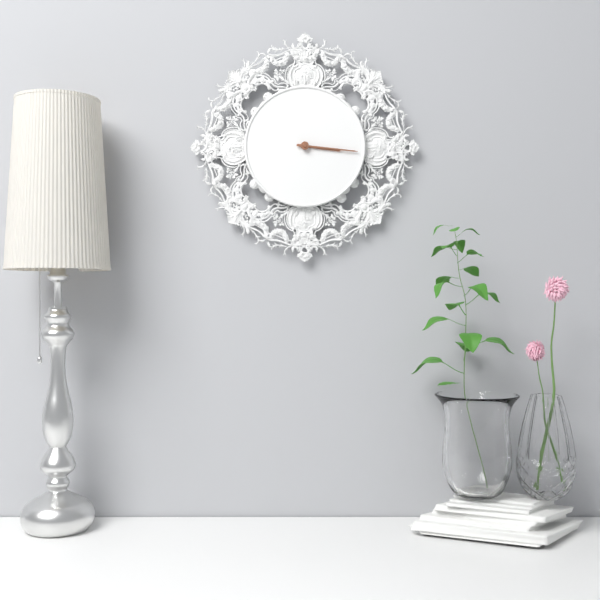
**3:16**
